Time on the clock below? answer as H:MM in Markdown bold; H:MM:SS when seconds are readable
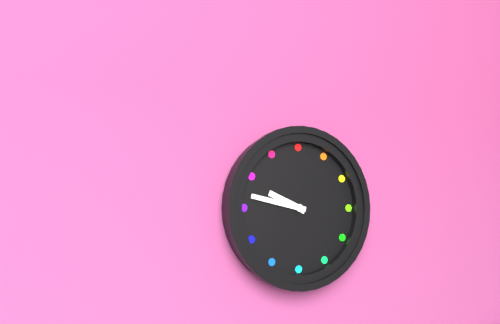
**9:47**
